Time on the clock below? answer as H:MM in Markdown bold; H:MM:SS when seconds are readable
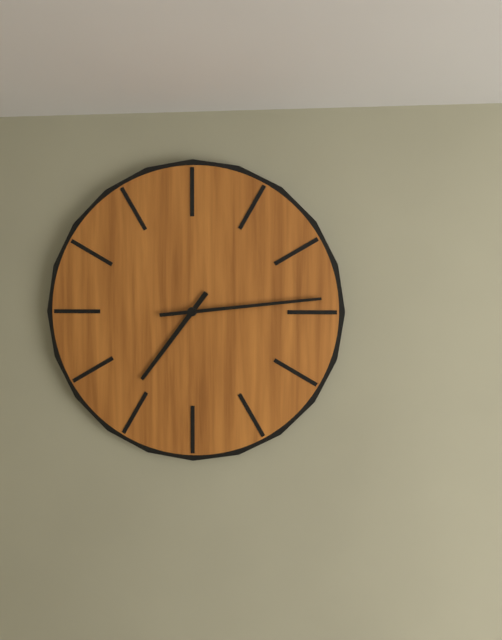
**7:14**
